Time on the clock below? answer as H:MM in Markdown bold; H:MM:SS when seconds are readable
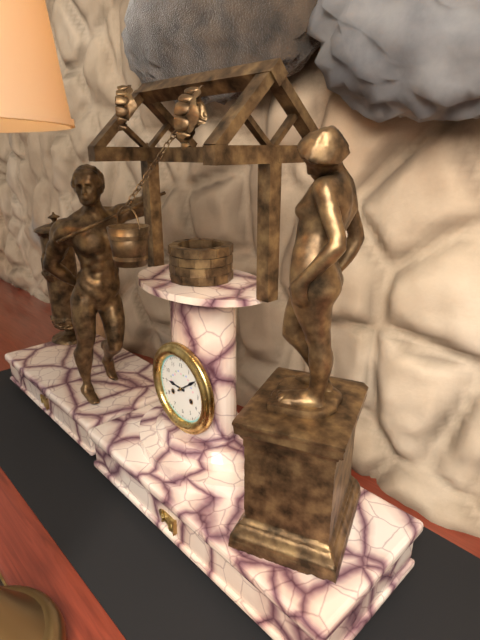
**9:09**
